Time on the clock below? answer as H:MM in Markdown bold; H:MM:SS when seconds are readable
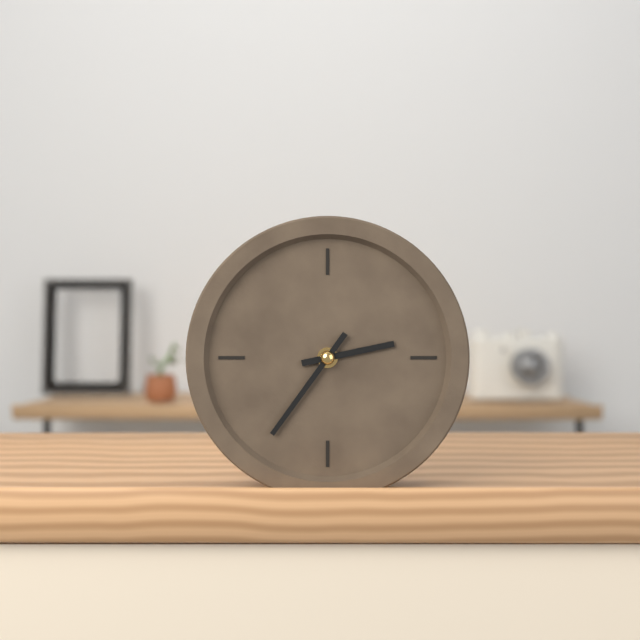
**2:36**
